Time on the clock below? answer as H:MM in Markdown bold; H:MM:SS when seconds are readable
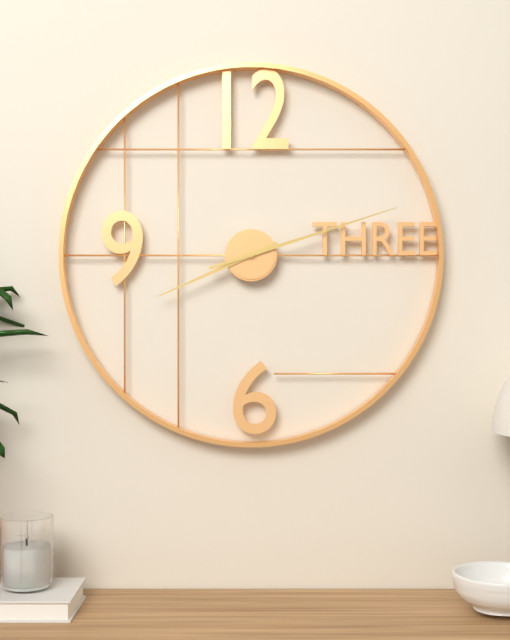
**8:12**
